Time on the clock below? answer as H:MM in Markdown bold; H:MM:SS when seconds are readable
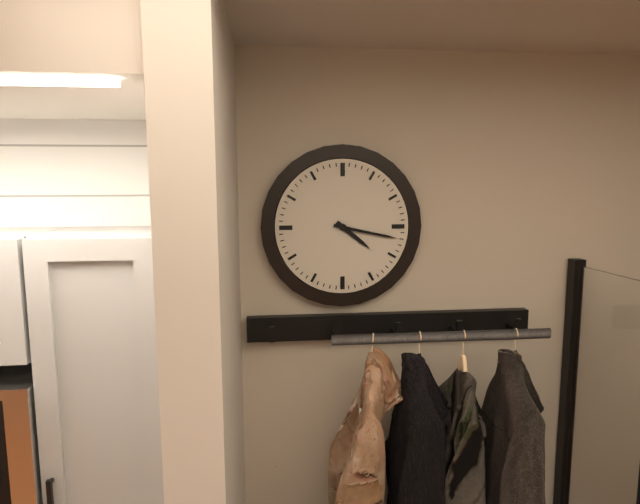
**4:17**
